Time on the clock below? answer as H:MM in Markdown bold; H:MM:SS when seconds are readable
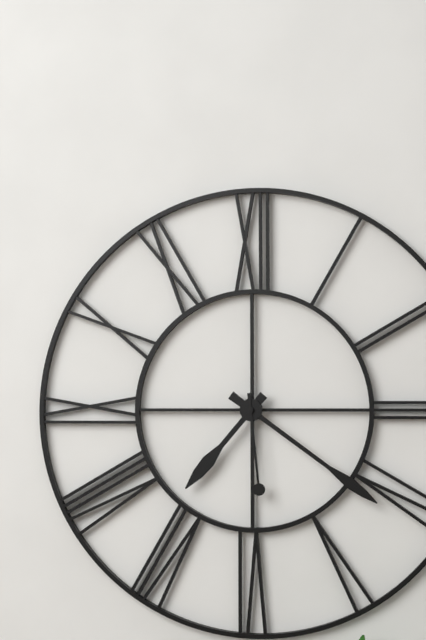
**7:21:29**
